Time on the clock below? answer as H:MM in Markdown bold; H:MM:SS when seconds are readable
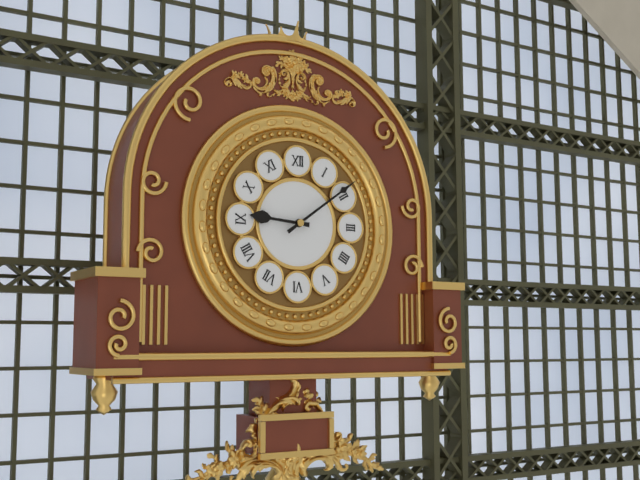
**9:09**
